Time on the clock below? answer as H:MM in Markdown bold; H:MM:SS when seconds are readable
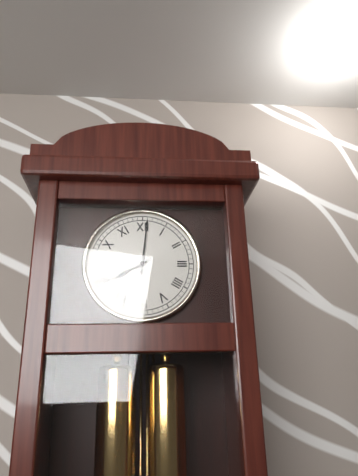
**8:01**
